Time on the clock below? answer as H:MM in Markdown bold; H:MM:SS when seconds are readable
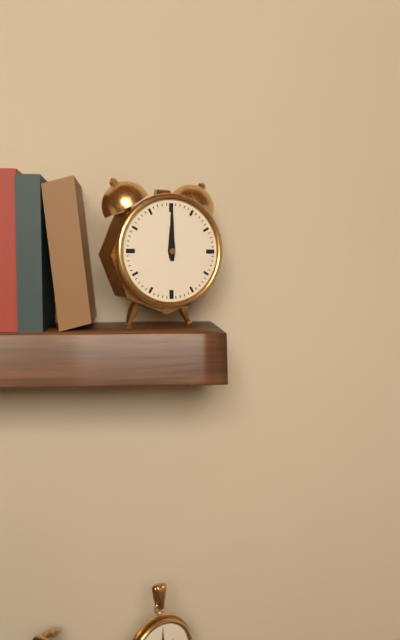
**12:00**
